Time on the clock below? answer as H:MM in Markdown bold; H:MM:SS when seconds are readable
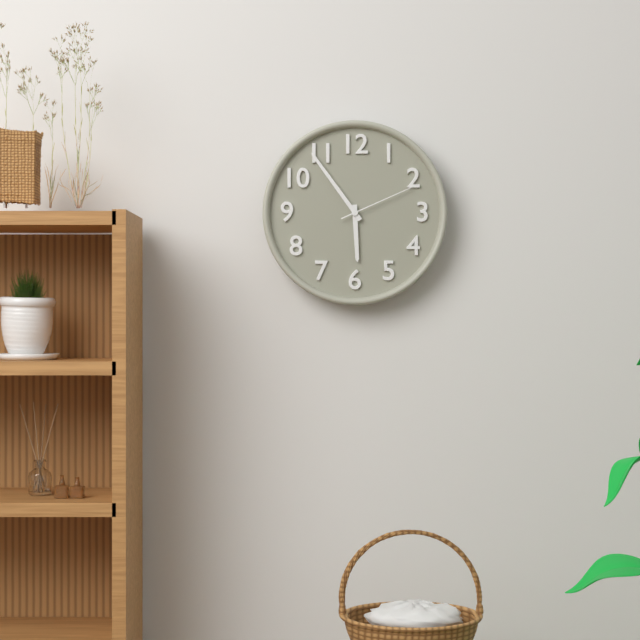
**5:54:11**
